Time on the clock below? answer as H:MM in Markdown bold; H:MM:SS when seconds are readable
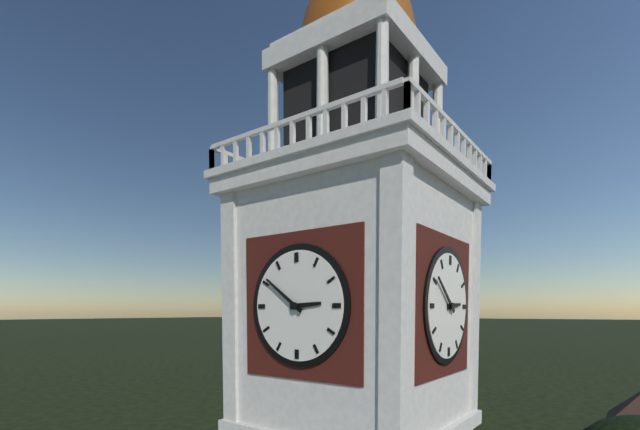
**2:51**
